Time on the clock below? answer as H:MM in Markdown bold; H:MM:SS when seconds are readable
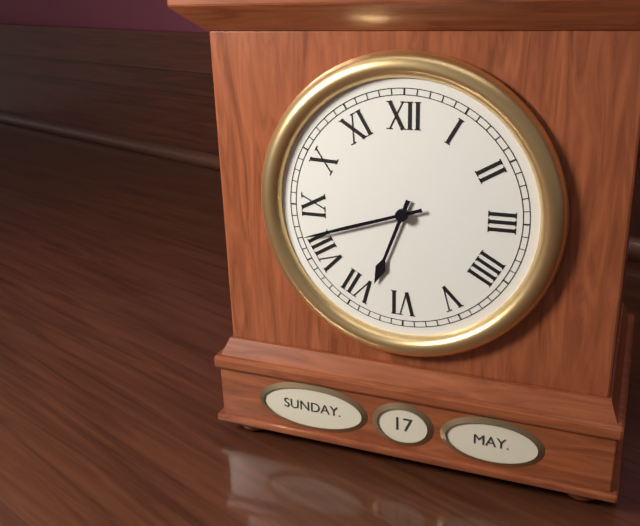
**6:42**
